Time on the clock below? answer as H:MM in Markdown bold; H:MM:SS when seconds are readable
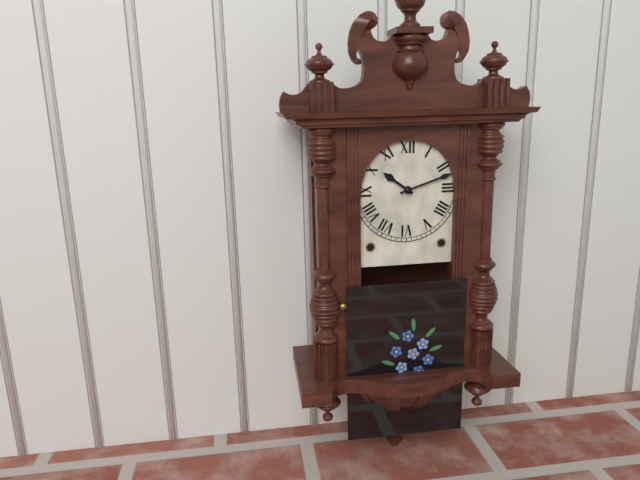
**10:12**
